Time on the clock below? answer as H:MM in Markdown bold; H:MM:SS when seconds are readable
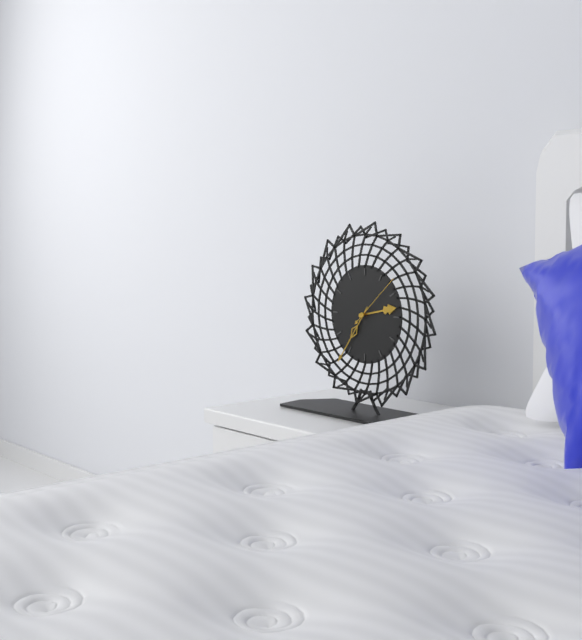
**2:36:08**
